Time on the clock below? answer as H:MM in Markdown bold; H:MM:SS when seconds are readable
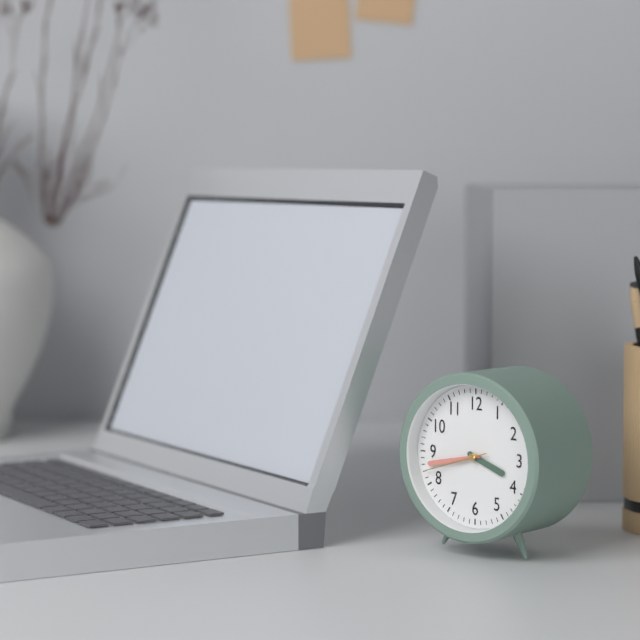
**3:43:42**
